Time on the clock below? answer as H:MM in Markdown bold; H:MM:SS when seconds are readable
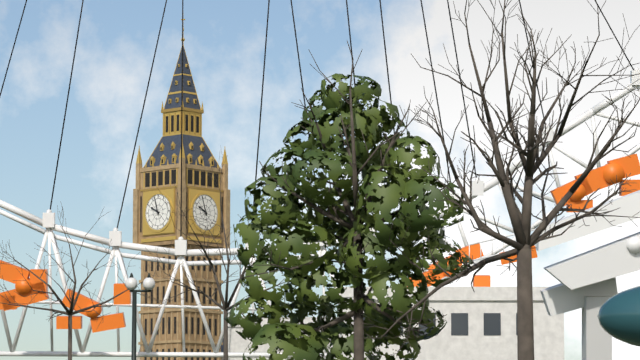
**9:57**
